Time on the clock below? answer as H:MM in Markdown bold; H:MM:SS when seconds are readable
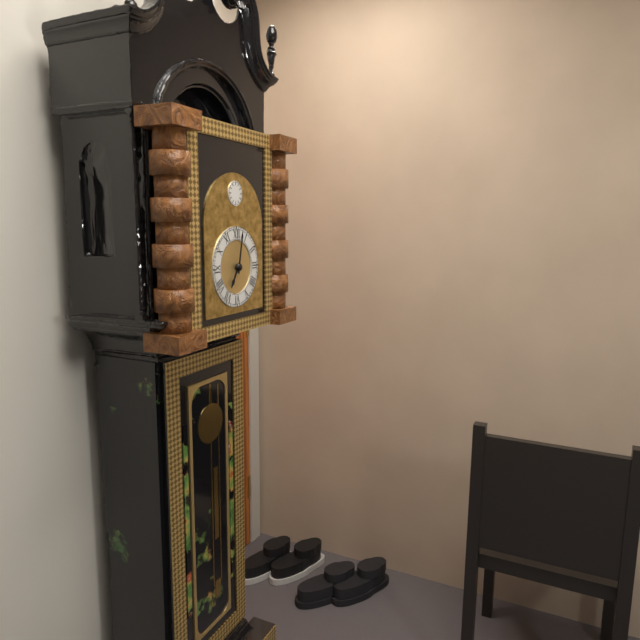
**7:02**
